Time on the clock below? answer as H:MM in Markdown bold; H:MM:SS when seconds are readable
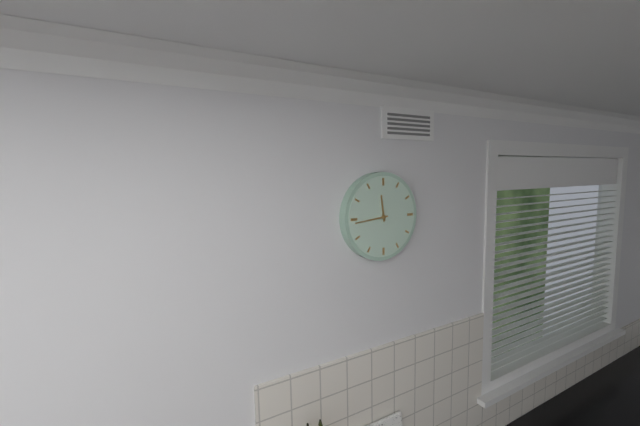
**11:44**
